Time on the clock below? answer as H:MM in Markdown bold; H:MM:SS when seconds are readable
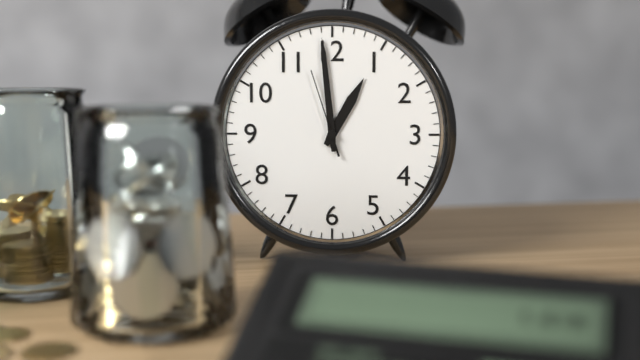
**12:59:57**
